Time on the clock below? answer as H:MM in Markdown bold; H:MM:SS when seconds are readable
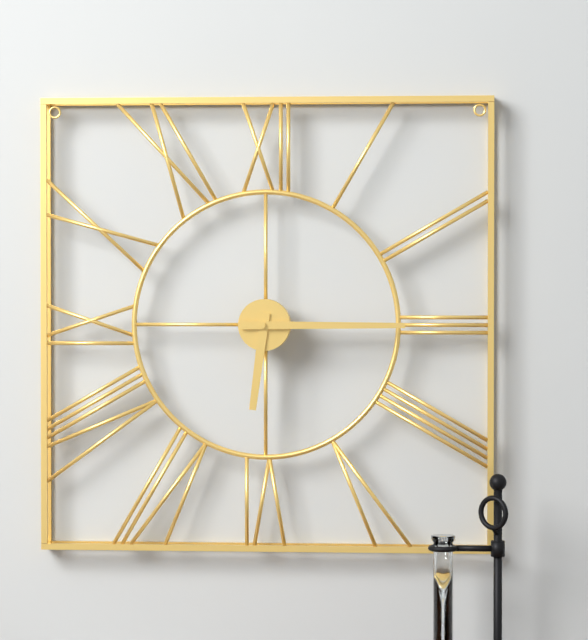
**6:15**
